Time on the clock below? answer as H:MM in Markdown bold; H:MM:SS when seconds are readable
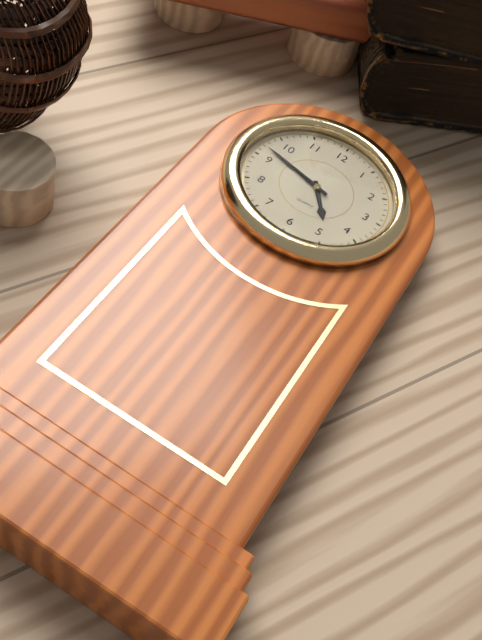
**4:47**
